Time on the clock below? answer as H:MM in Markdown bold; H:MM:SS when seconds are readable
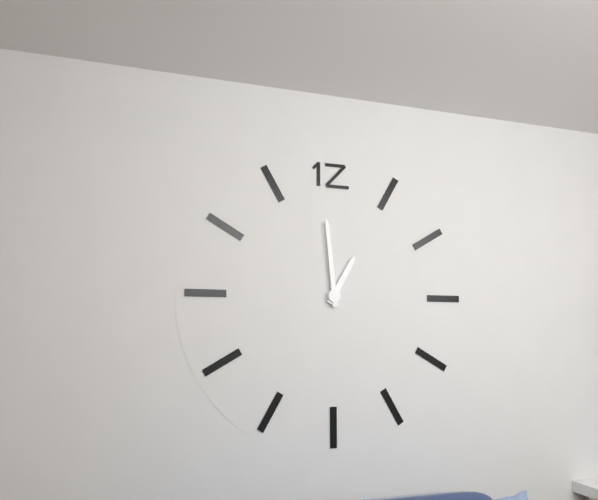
**12:59**
